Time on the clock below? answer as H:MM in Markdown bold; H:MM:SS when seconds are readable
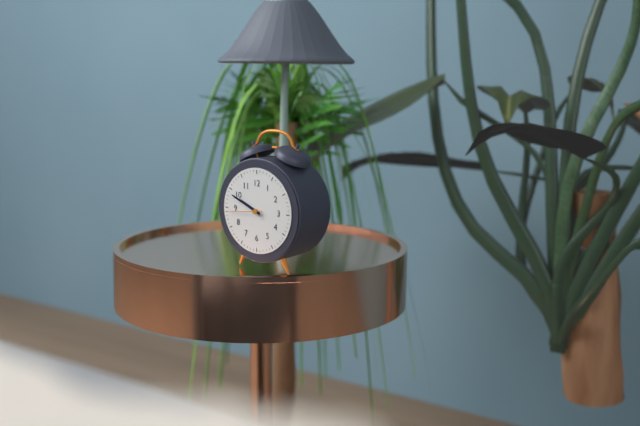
**9:49**
